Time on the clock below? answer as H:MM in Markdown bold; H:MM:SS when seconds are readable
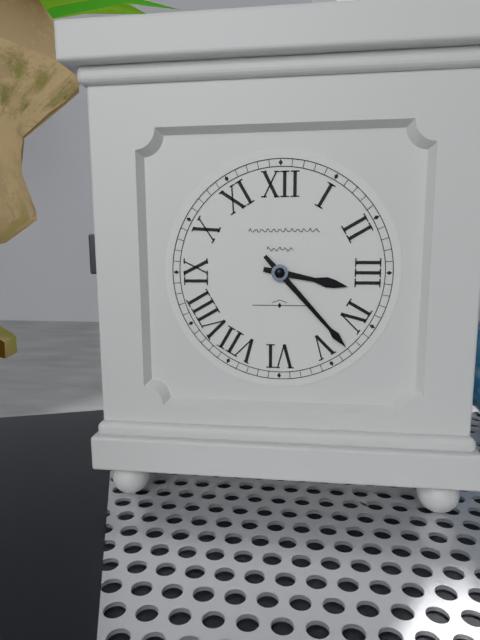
**3:23**
